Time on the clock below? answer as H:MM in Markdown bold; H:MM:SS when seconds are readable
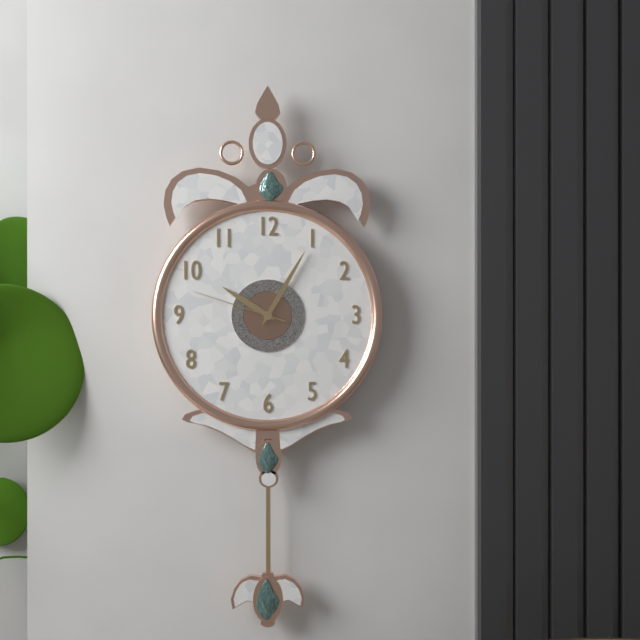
**10:05:48**
